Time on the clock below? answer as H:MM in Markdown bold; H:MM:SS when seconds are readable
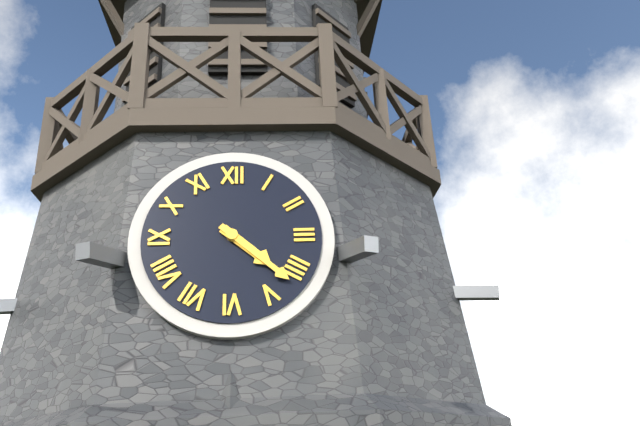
**4:22**
